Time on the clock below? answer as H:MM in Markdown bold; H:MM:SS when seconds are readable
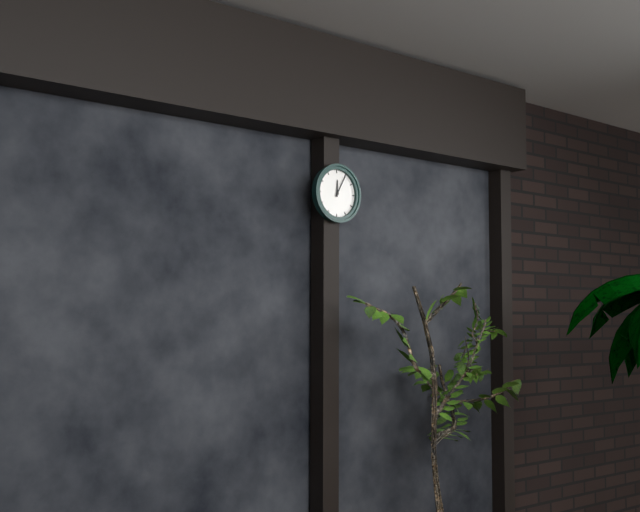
**12:05**
